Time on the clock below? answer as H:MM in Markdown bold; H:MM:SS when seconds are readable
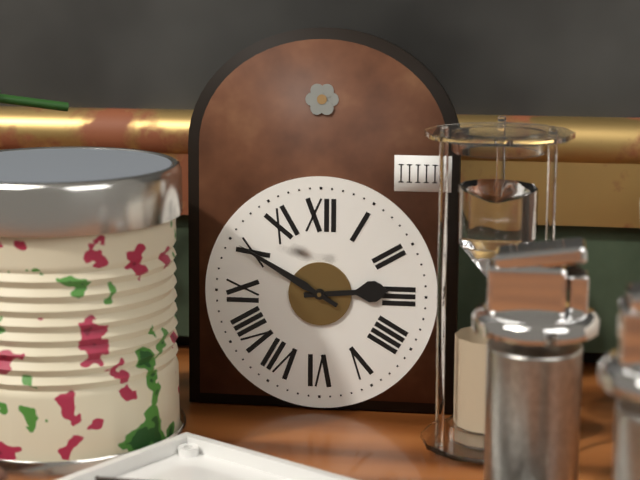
**2:50**
